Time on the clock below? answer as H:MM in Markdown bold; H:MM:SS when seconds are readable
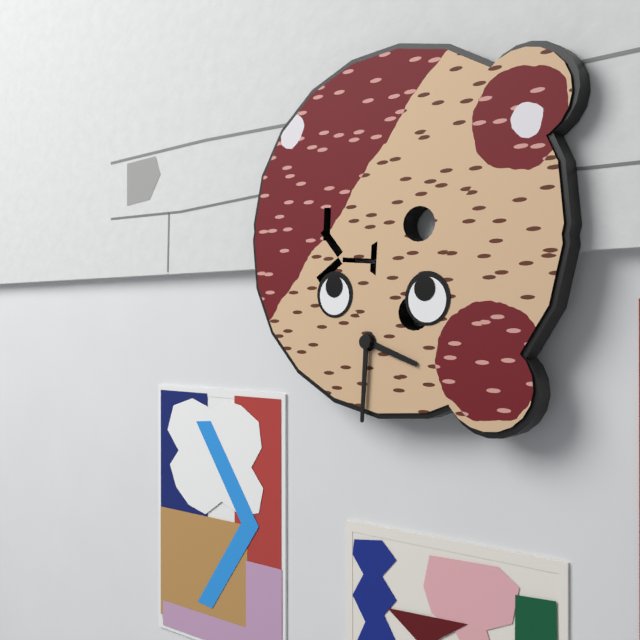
**3:30**
